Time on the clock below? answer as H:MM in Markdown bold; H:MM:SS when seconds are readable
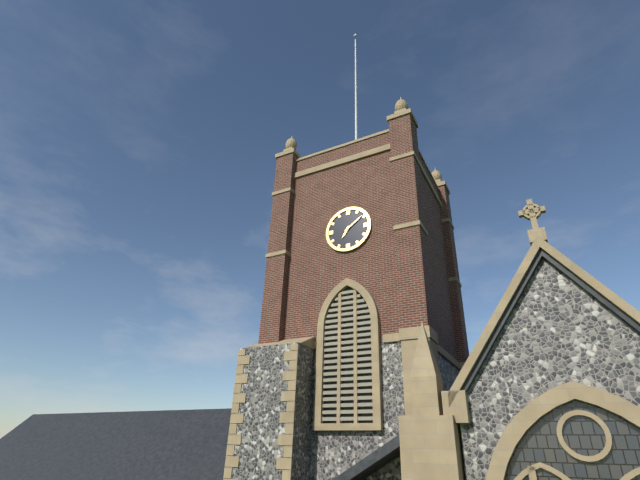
**7:09**
